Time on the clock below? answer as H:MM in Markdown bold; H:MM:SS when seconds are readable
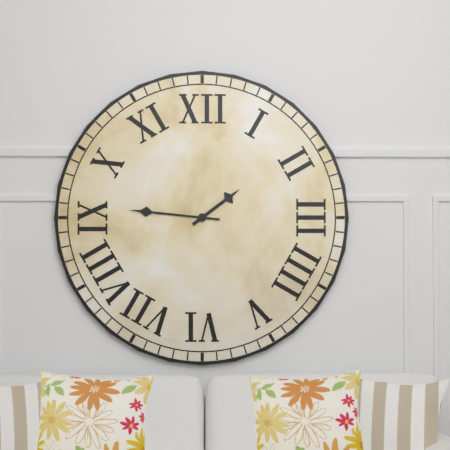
**1:46**
